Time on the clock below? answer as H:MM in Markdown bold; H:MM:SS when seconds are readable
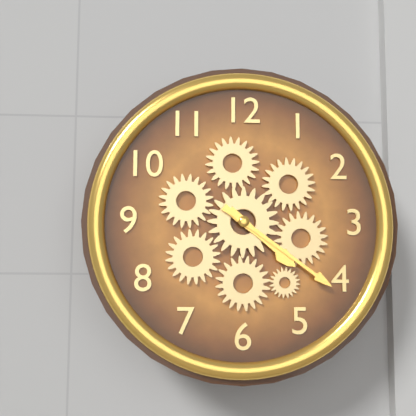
**4:21**
